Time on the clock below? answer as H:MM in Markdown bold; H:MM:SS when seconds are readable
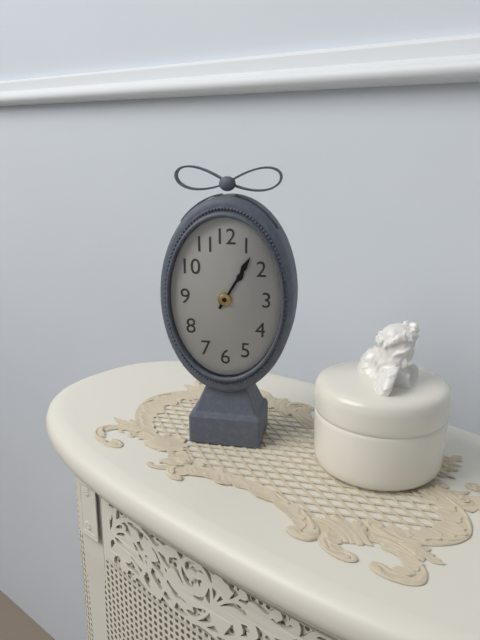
**1:05**
